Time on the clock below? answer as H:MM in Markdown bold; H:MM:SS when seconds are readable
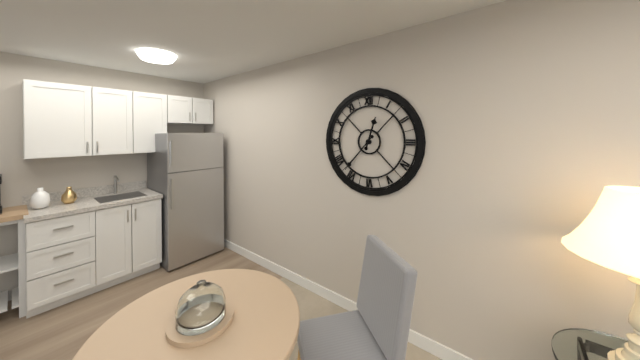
**12:37**
